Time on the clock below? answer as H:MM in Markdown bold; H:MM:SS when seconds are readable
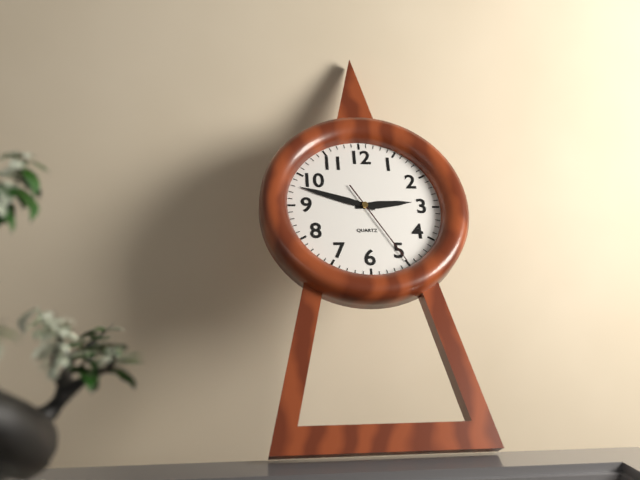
**2:48:25**
